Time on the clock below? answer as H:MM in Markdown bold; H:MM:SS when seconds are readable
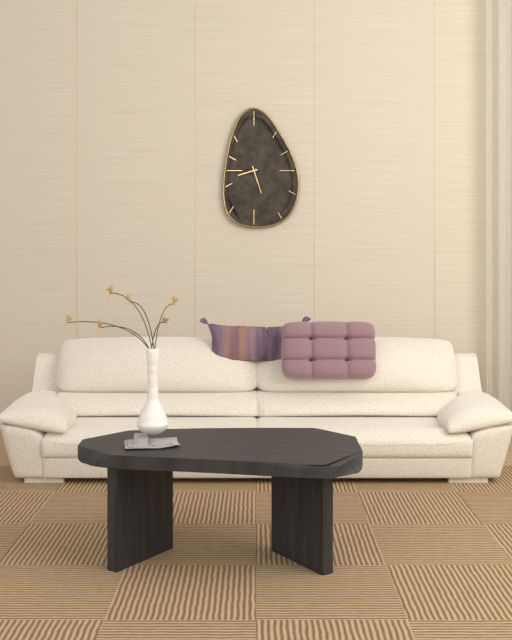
**8:27**
